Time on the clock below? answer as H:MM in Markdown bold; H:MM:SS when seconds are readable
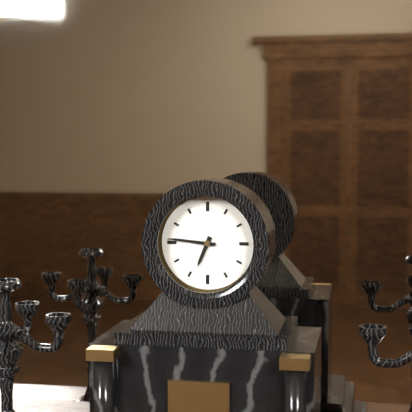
**6:46**
